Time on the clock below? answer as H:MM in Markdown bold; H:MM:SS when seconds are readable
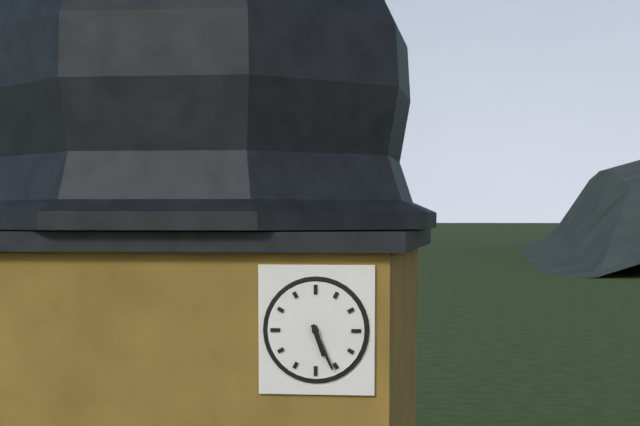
**5:26**
